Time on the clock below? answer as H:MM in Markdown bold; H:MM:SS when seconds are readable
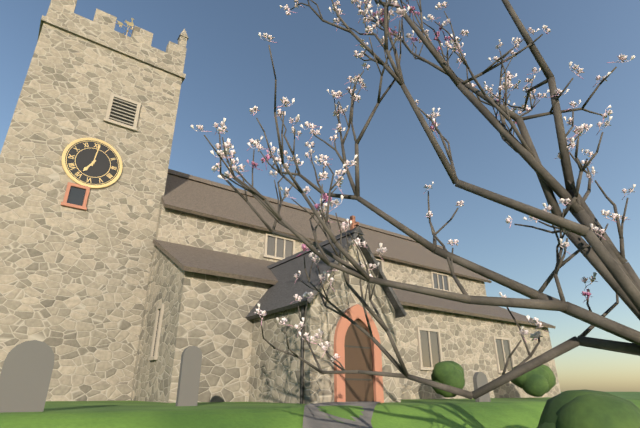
**7:01**
